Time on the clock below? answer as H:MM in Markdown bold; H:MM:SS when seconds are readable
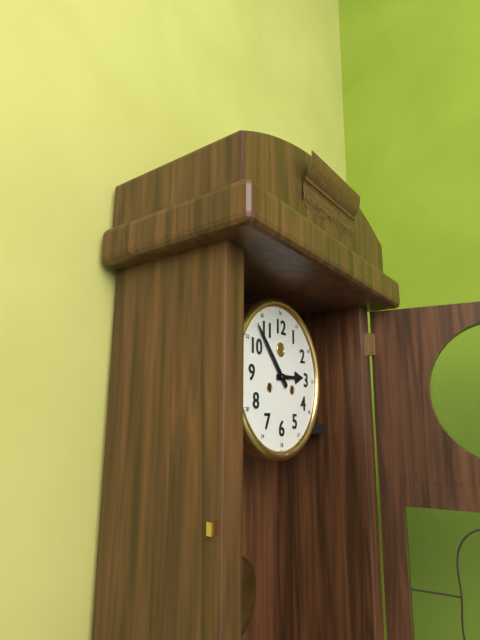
**2:53**
